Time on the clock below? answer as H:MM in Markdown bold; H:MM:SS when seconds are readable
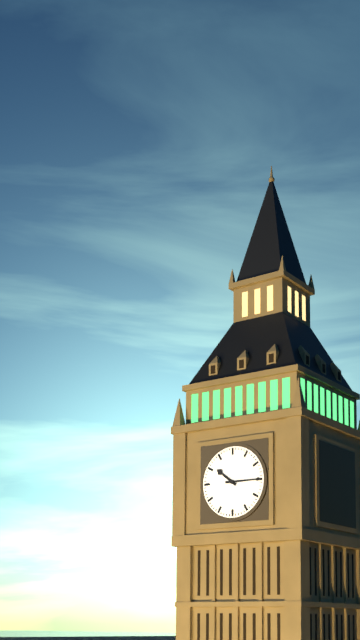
**10:15**
